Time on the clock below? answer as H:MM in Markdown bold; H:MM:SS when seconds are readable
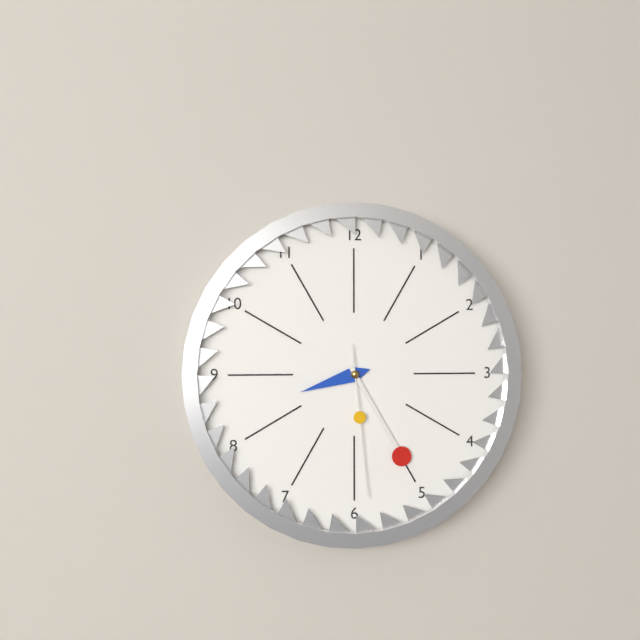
**8:25:29**
